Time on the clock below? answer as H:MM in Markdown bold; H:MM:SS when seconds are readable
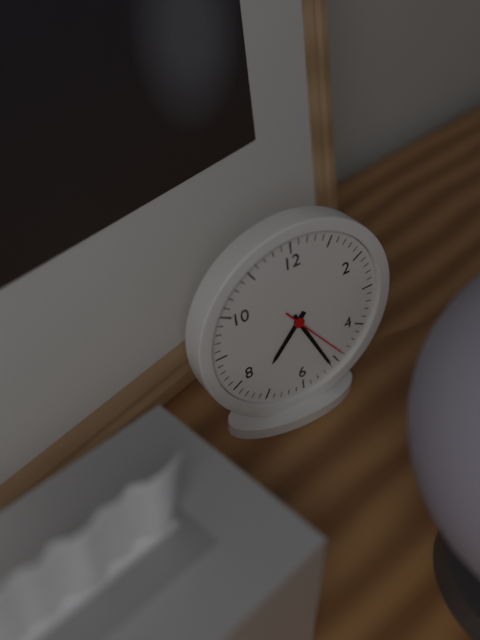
**7:26:24**
